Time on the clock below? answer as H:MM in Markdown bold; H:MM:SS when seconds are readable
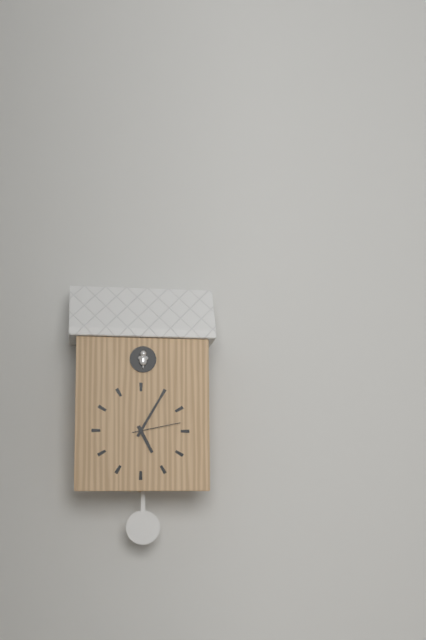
**5:05:13**
